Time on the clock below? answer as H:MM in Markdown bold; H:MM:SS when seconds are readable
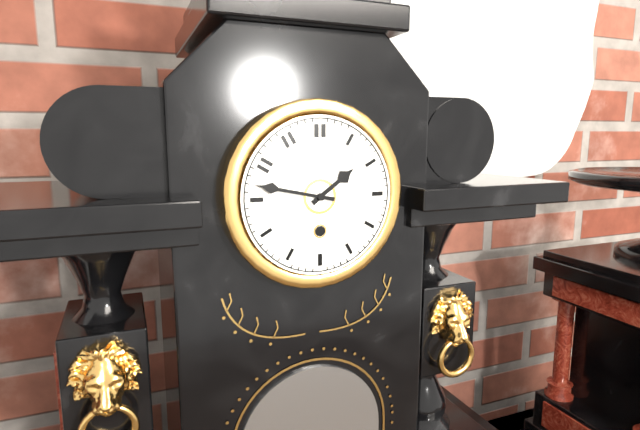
**1:47**
